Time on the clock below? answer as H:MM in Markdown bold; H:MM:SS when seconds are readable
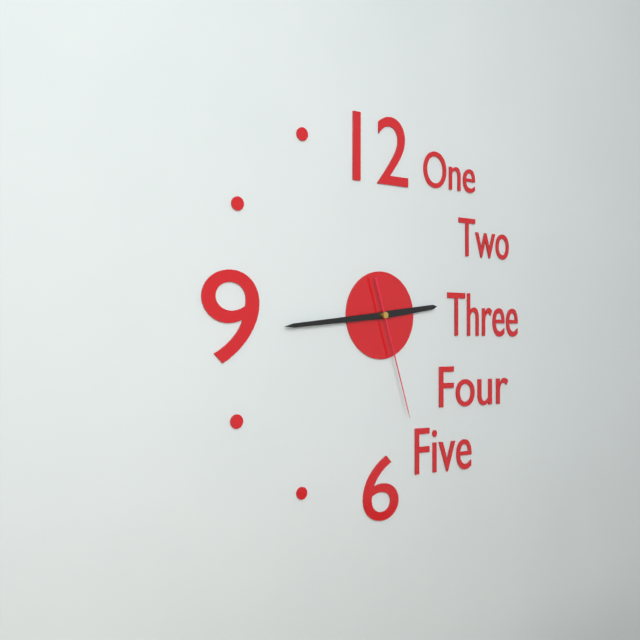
**2:44:27**
